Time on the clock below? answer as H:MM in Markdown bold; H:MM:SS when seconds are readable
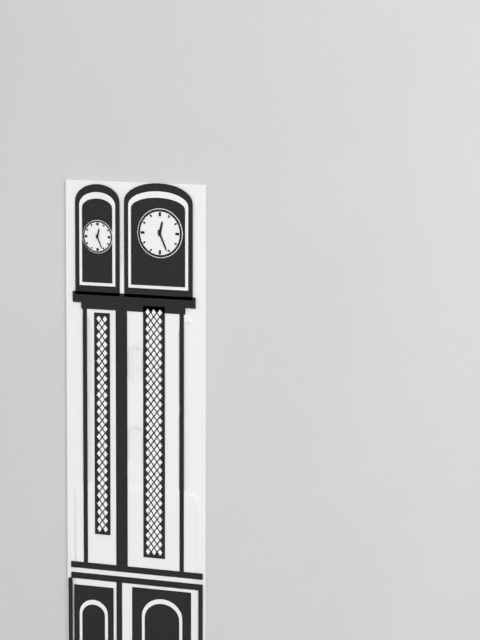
**12:26**
